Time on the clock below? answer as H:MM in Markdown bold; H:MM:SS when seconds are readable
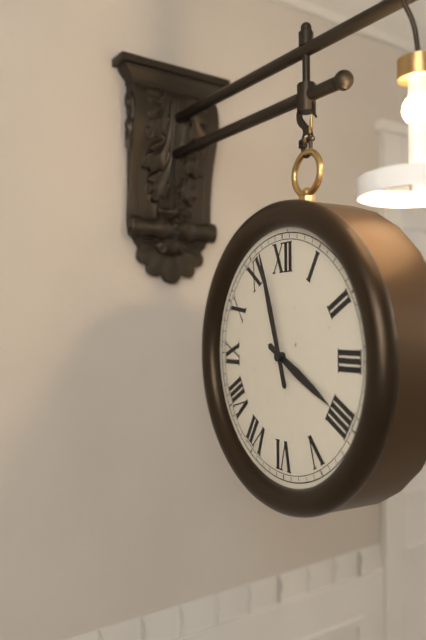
**3:57**
